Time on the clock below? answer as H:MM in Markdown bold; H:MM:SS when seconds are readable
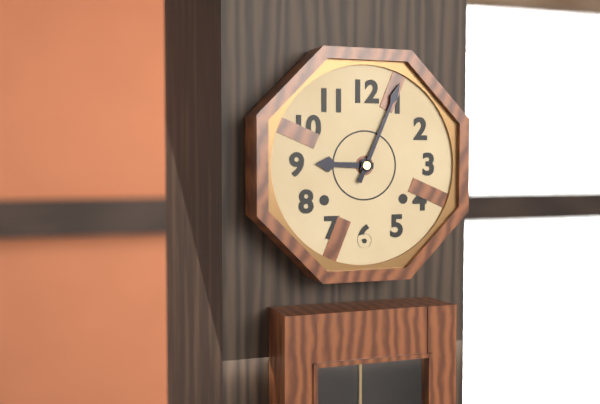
**9:04**
